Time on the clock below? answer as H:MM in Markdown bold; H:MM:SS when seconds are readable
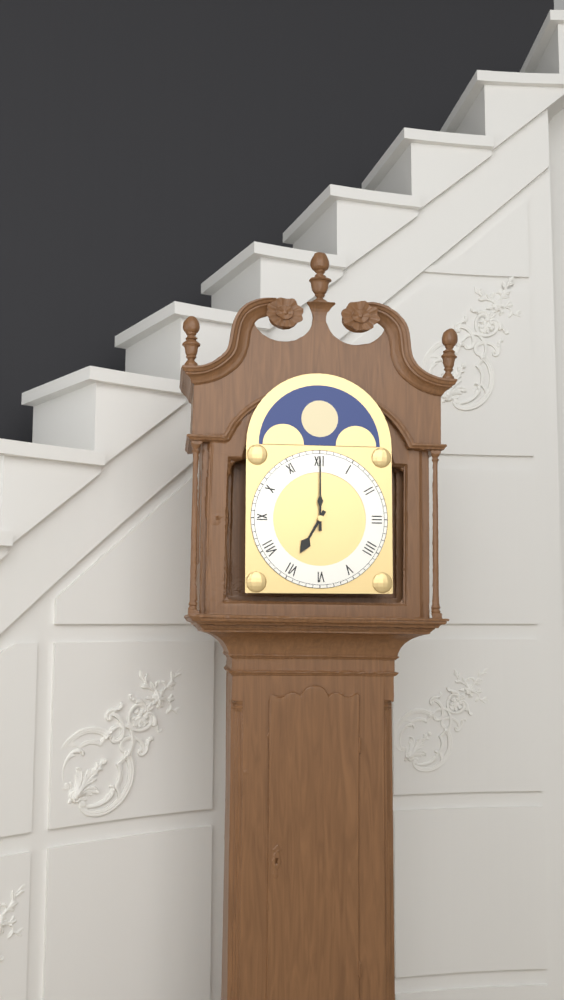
**7:00**
